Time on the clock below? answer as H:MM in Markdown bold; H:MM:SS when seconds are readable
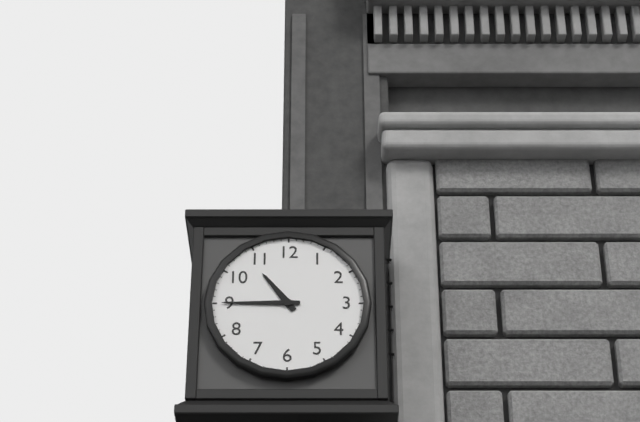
**10:45**
